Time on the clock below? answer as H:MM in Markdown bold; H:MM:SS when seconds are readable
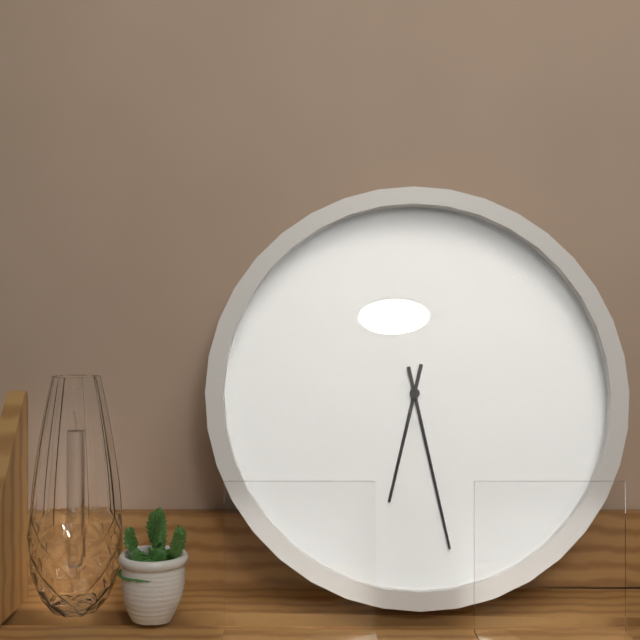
**6:28**
